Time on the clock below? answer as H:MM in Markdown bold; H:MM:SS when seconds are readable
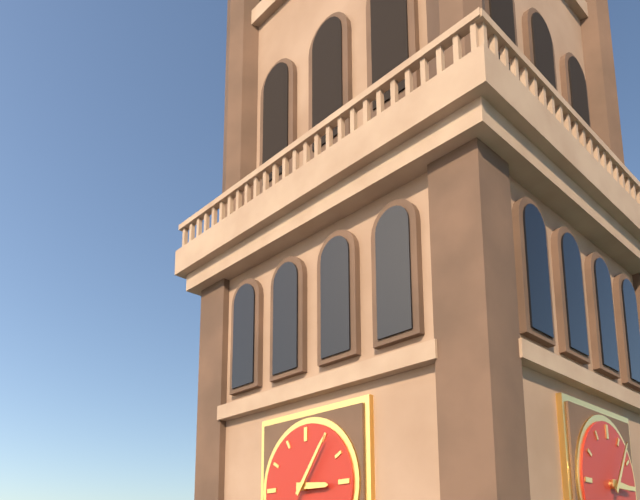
**3:06**
